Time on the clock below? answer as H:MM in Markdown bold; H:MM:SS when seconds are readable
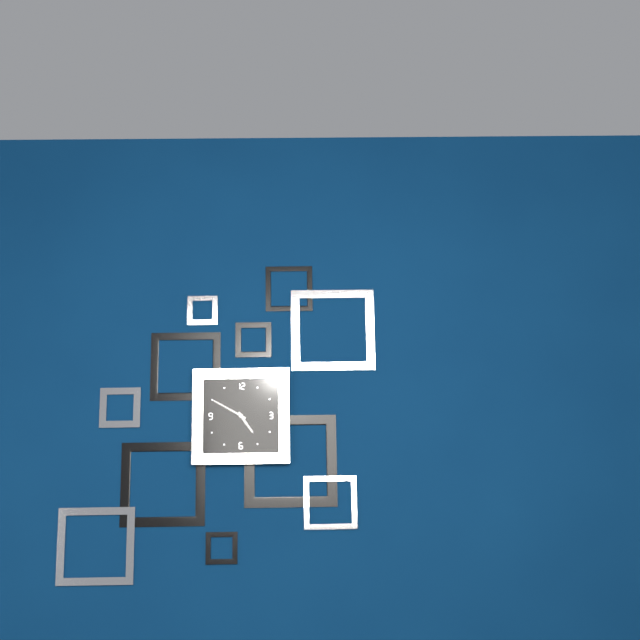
**4:50**
